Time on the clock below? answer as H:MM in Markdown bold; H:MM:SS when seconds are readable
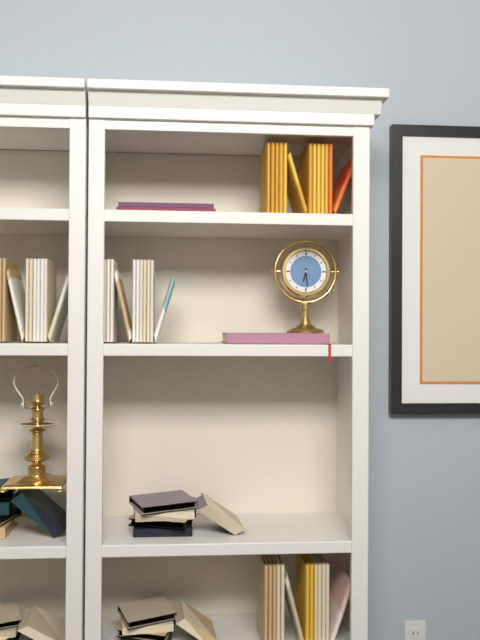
**6:29**
